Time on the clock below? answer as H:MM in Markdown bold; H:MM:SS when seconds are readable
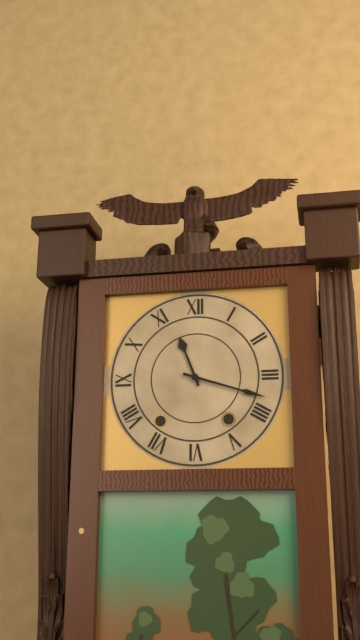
**11:18**
